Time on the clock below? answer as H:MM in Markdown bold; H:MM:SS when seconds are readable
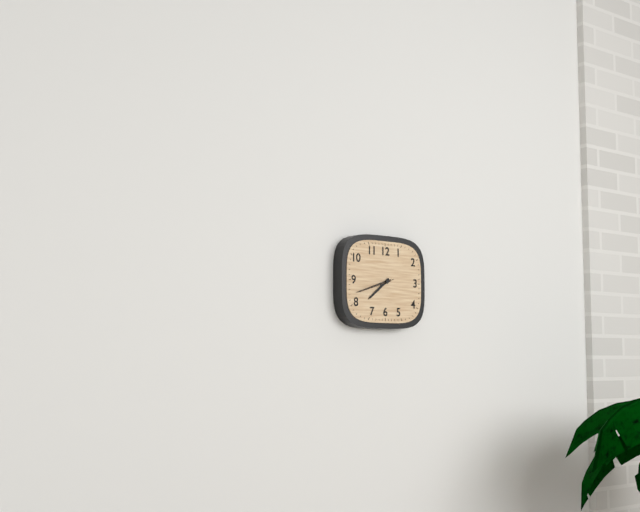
**7:42**
